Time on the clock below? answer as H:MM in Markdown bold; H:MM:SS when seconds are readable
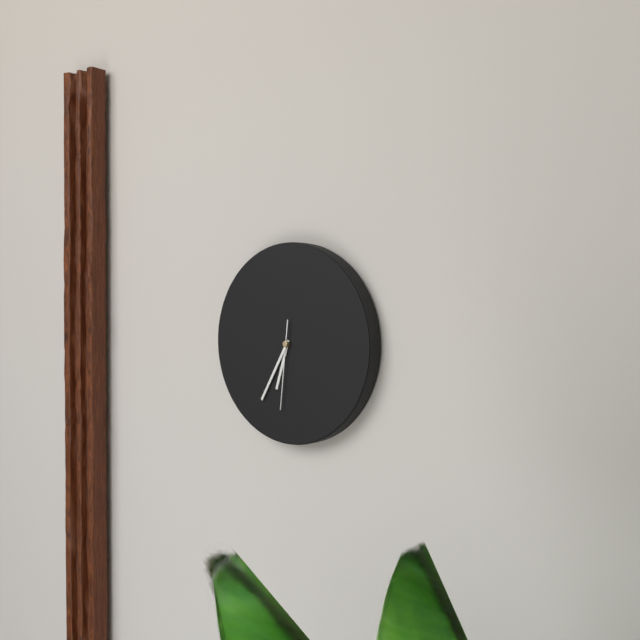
**6:35:31**
